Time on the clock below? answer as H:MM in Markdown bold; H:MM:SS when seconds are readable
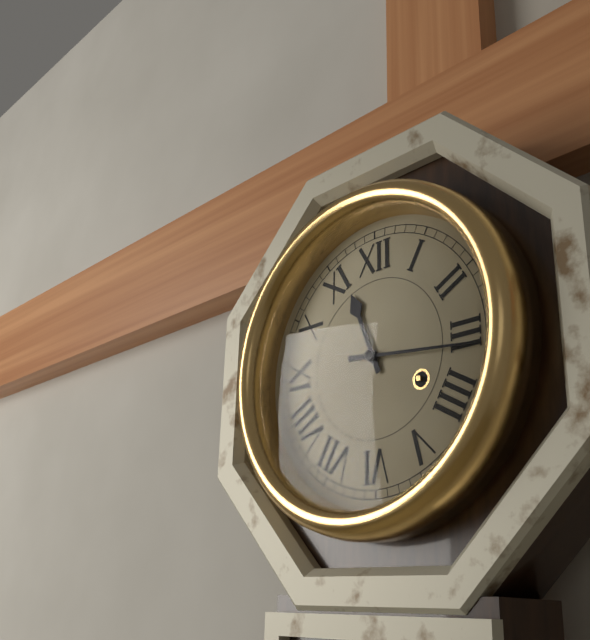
**11:16**
